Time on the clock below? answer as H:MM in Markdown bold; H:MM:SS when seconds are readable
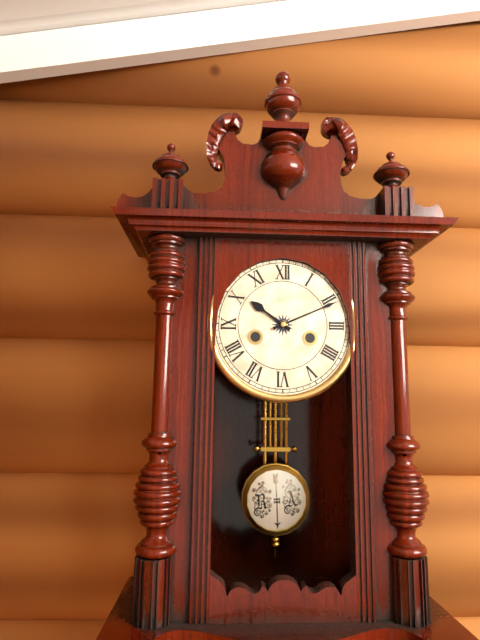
**10:11**
